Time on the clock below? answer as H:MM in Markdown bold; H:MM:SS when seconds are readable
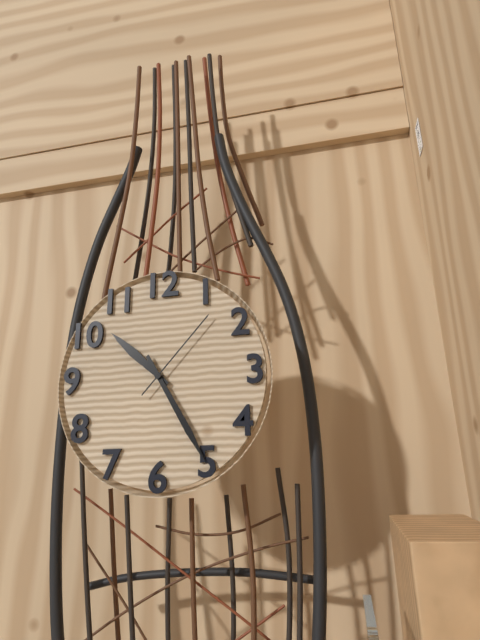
**10:25:07**
